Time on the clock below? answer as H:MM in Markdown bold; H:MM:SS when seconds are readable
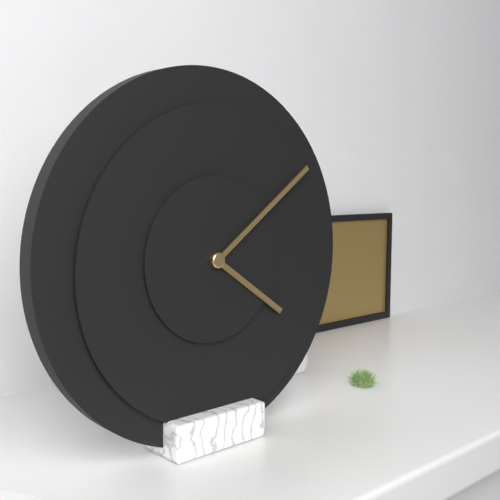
**4:09**
